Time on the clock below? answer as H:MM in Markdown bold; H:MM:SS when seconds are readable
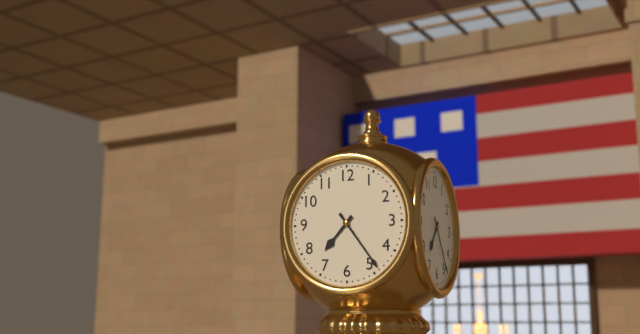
**7:24**
